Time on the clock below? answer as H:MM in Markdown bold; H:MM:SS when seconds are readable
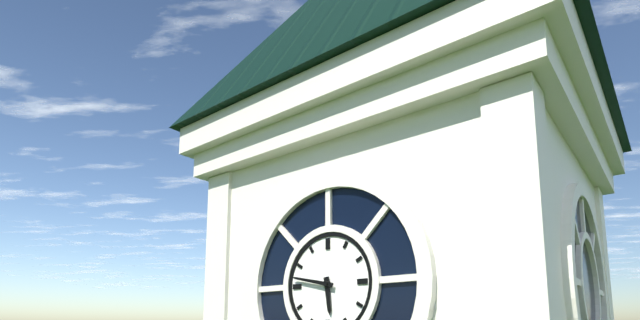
**5:47**
